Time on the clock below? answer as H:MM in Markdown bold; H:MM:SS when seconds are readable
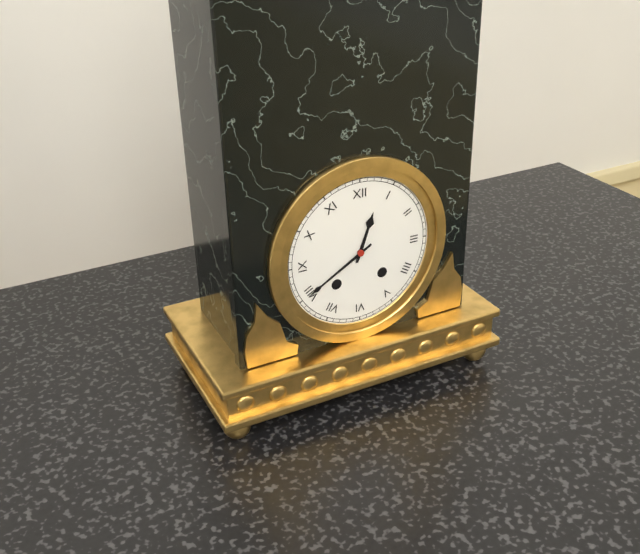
**12:40**
